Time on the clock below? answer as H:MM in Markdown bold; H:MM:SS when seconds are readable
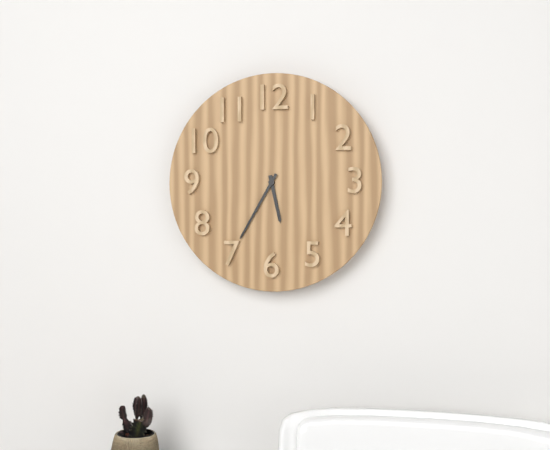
**5:35**
